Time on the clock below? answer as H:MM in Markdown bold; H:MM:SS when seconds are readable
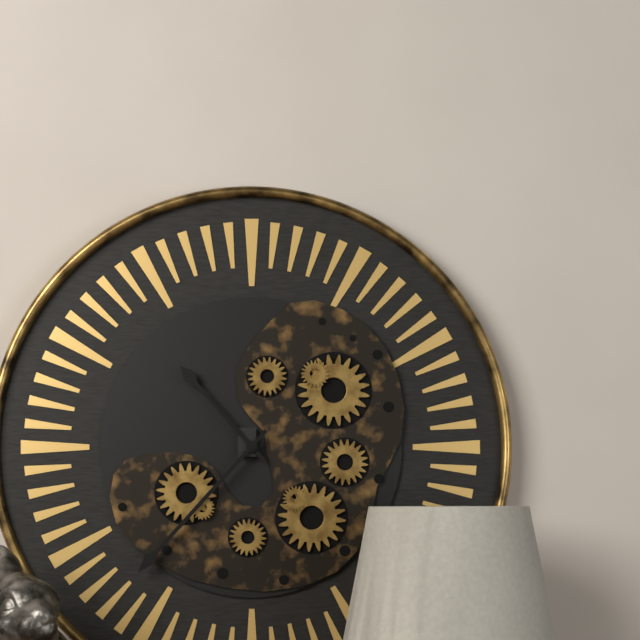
**10:37**
